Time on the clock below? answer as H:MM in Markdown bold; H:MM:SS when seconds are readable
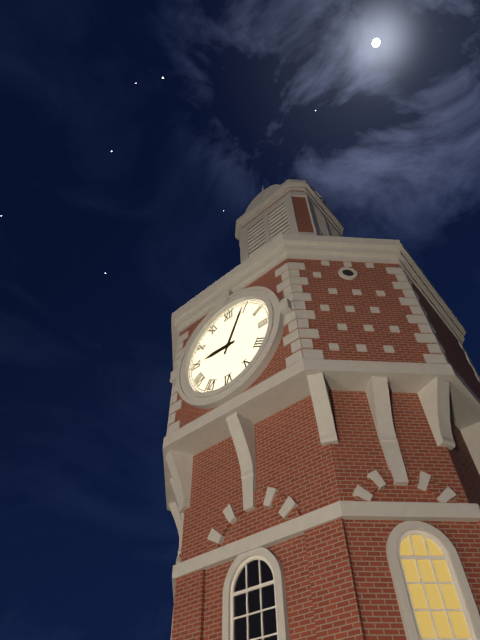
**9:04**
